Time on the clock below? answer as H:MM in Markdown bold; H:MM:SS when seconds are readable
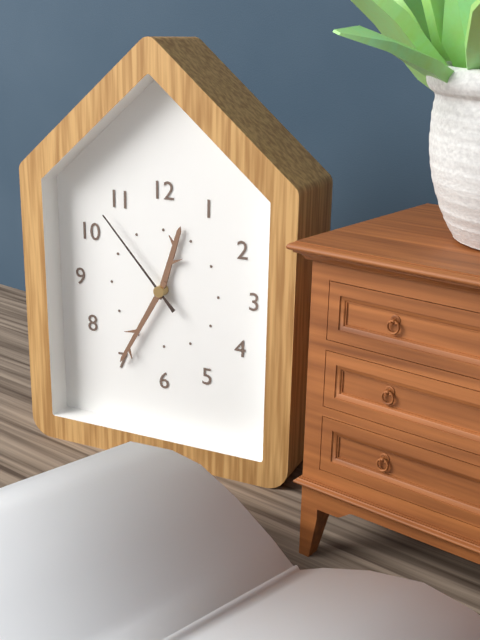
**12:35:53**
